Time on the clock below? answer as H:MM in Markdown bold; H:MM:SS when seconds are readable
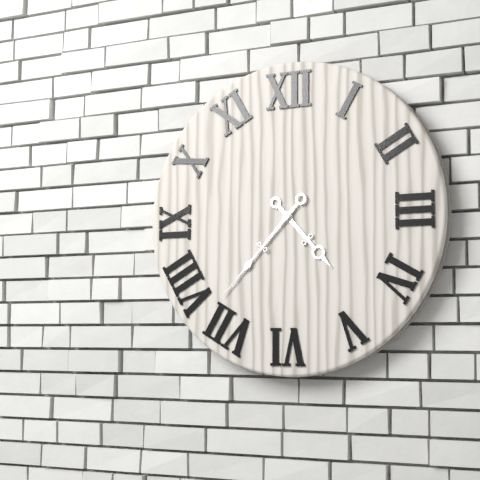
**4:37**
